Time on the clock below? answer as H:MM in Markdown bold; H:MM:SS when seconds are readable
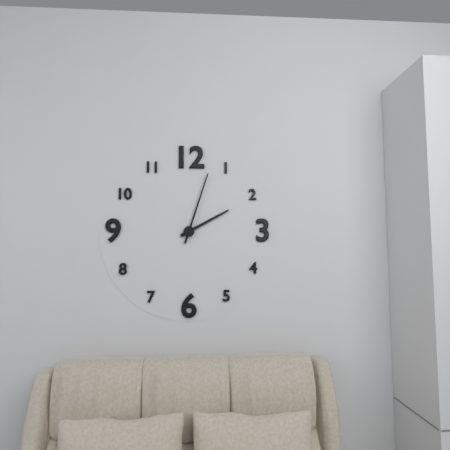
**2:03**
